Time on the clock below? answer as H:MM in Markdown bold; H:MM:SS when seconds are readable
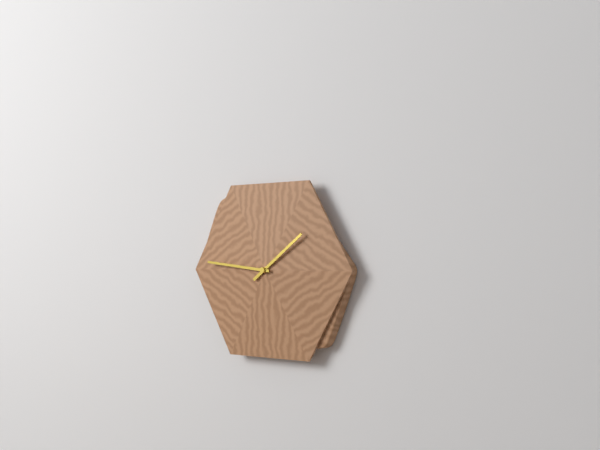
**1:46**
